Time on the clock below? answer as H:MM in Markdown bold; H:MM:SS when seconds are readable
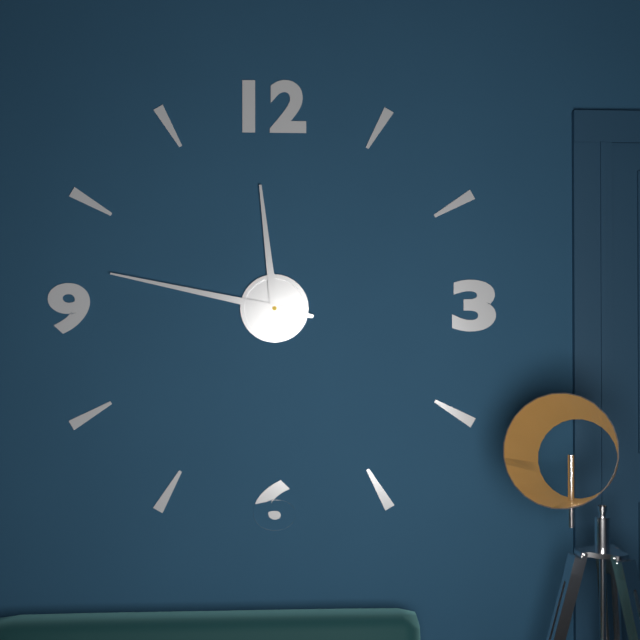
**11:47**
